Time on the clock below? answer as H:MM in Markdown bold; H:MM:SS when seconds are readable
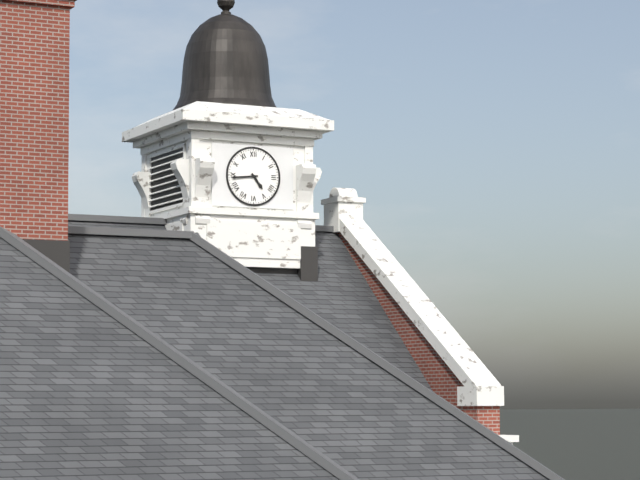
**4:44**
